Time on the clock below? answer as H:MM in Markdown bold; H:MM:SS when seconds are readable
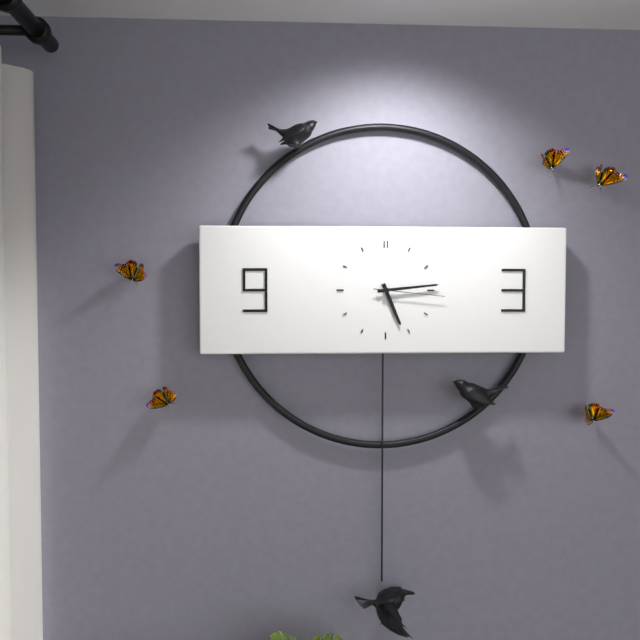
**5:14:16**
